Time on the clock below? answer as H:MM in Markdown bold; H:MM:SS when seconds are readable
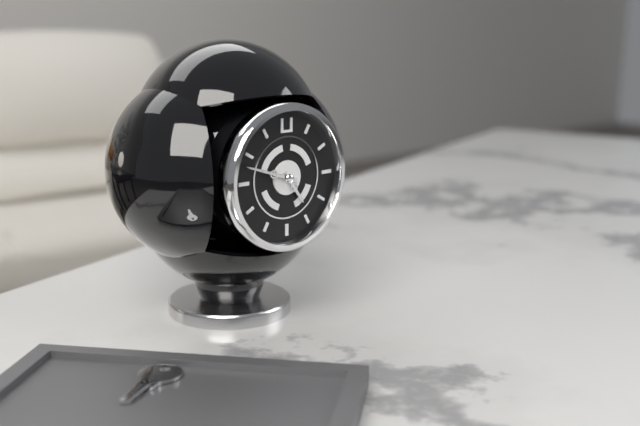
**4:48**
